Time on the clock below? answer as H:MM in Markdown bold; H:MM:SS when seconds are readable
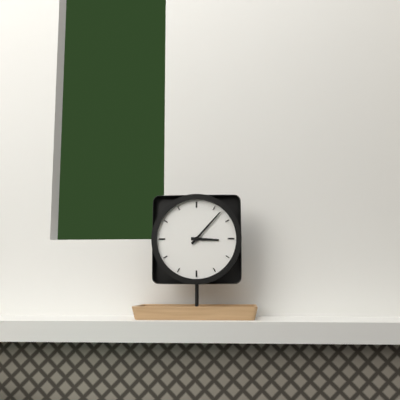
**3:07**
